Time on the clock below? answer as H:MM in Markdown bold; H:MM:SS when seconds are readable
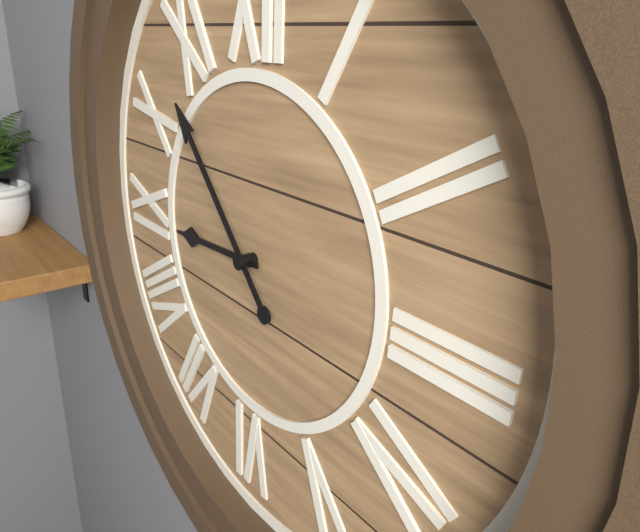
**8:53**
